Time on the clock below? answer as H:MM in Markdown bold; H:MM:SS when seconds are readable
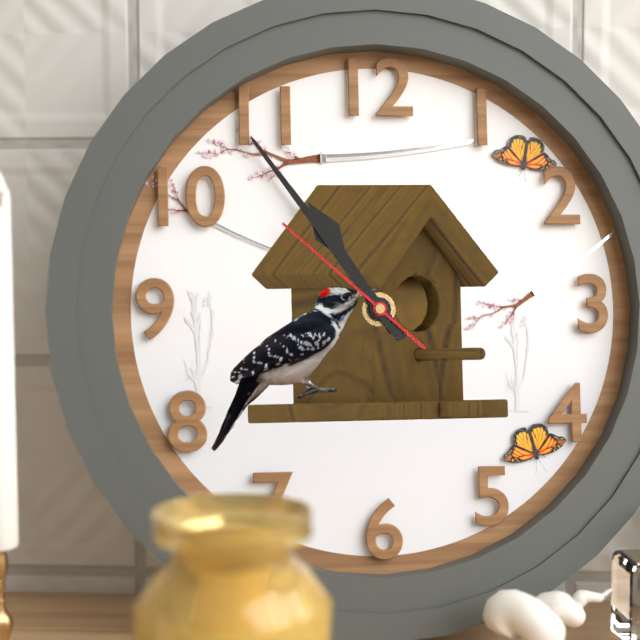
**10:54:52**
